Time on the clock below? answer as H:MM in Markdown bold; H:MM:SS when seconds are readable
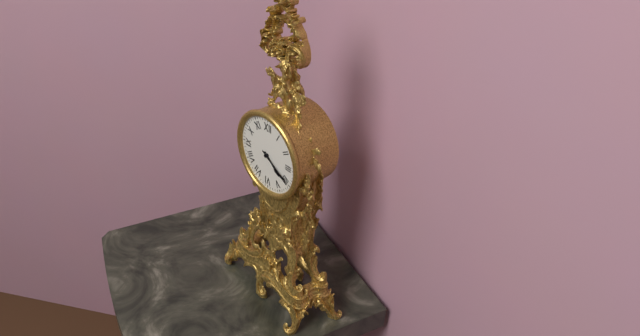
**4:20**
